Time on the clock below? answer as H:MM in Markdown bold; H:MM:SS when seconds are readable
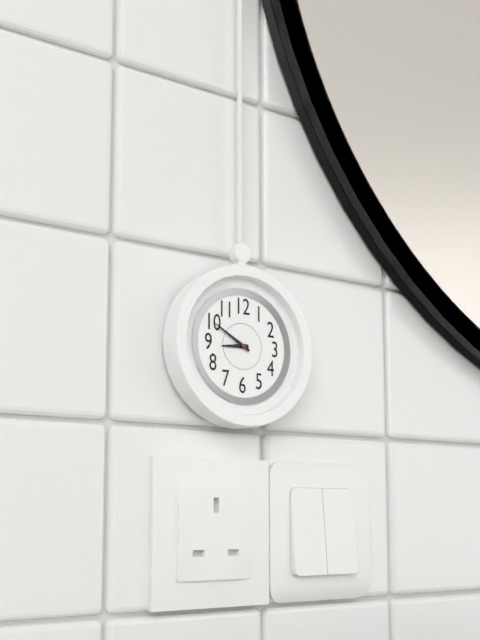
**8:50**
